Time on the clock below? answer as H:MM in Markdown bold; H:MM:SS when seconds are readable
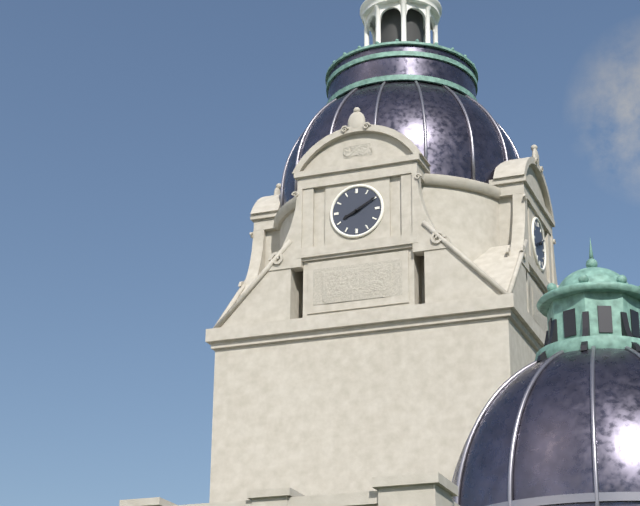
**8:10**
